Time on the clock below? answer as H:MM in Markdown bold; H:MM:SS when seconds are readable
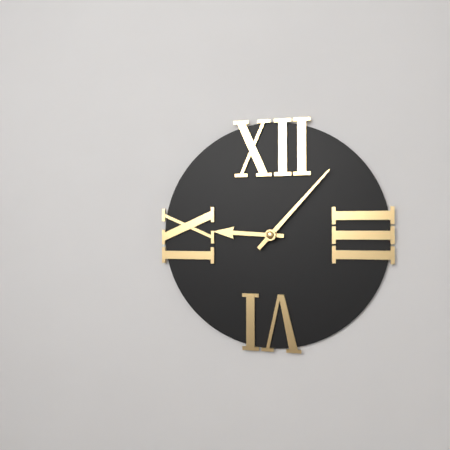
**9:07**
